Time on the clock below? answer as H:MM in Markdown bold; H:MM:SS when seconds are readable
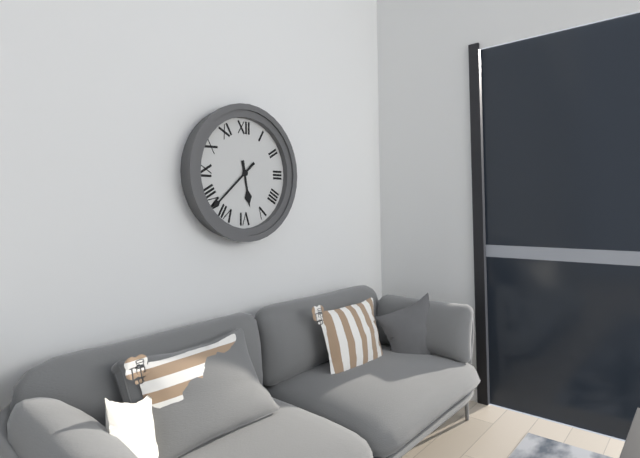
**5:38**
